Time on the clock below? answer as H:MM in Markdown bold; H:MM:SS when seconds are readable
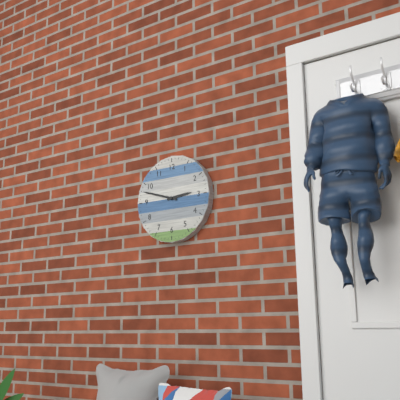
**2:48**
